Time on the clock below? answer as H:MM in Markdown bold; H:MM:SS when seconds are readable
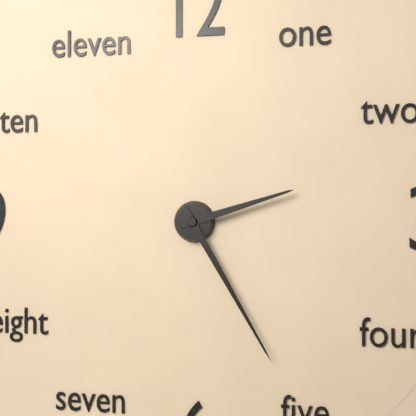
**2:25**
